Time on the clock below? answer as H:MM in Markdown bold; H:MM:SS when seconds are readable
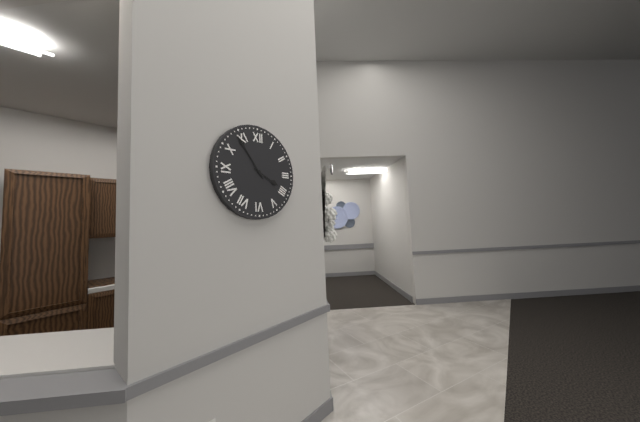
**3:54**
